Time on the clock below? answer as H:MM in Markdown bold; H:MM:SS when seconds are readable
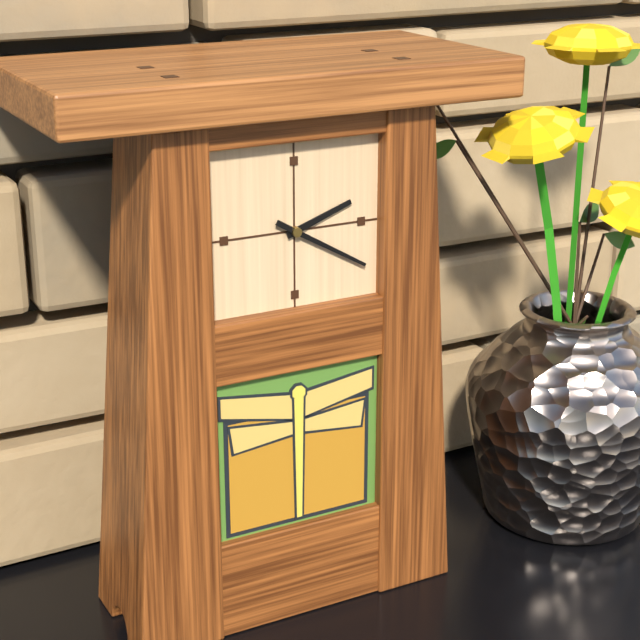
**2:20**
